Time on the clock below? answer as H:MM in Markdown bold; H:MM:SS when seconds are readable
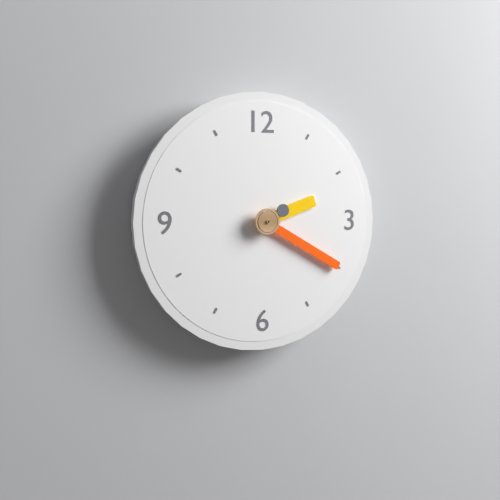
**2:20**
